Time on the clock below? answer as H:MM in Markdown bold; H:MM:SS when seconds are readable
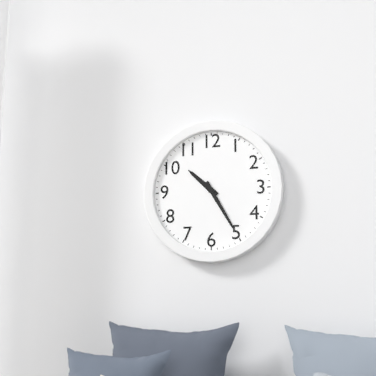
**10:25**
